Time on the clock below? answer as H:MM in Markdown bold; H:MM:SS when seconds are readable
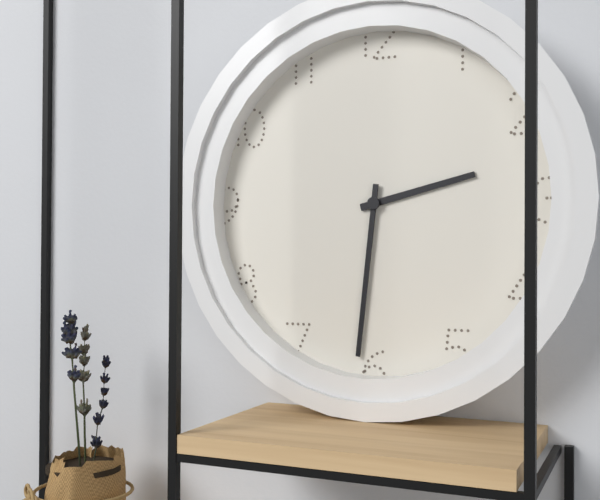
**2:31**
